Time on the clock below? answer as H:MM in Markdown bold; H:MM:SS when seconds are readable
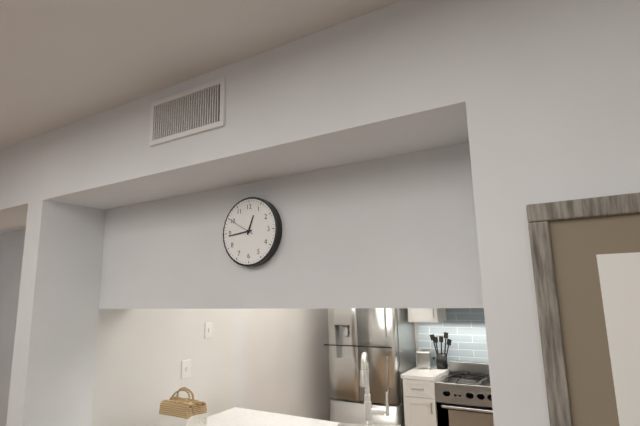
**12:44**
